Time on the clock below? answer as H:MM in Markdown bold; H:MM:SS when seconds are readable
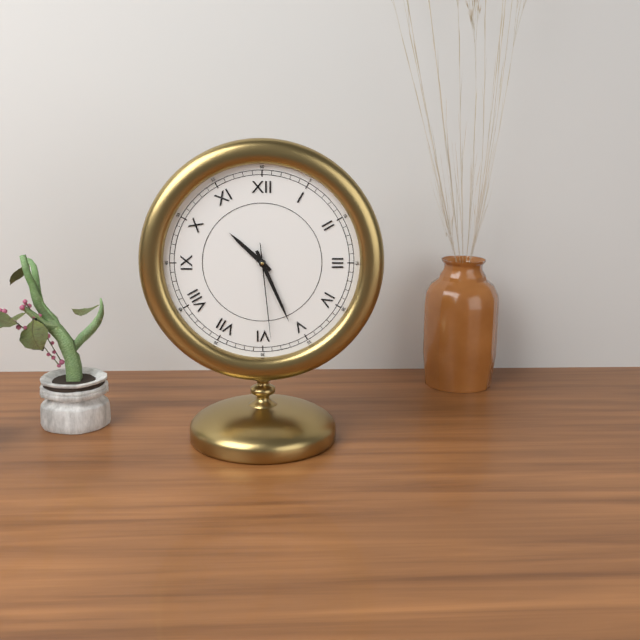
**10:26:29**
